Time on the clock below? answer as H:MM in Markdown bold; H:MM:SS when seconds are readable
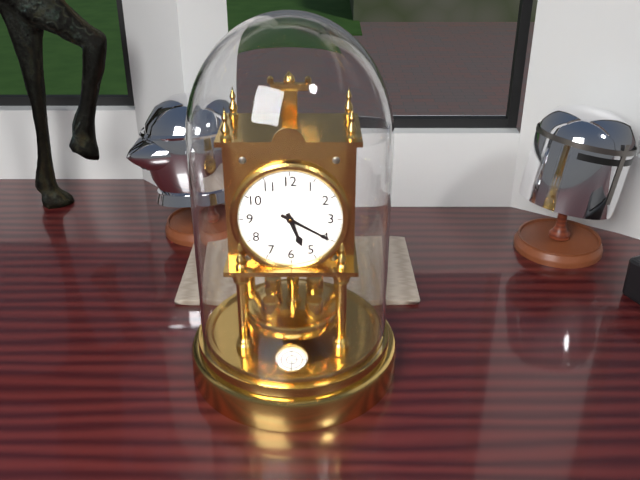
**5:20**
